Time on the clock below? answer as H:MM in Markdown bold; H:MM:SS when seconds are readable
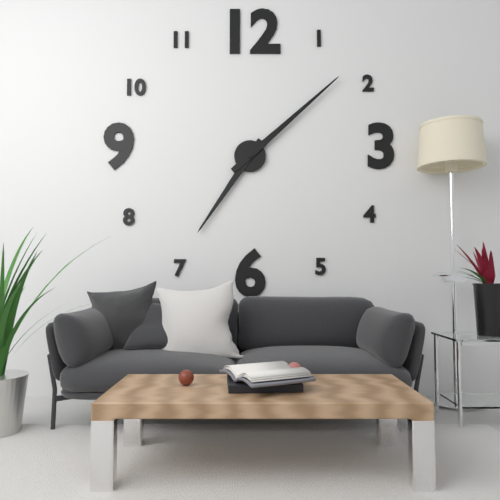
**7:08**
